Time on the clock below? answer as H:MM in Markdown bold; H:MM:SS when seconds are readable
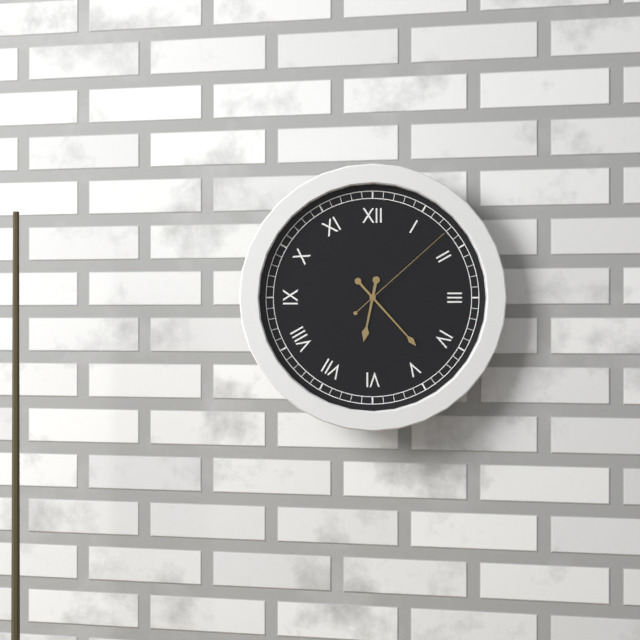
**6:23:08**
